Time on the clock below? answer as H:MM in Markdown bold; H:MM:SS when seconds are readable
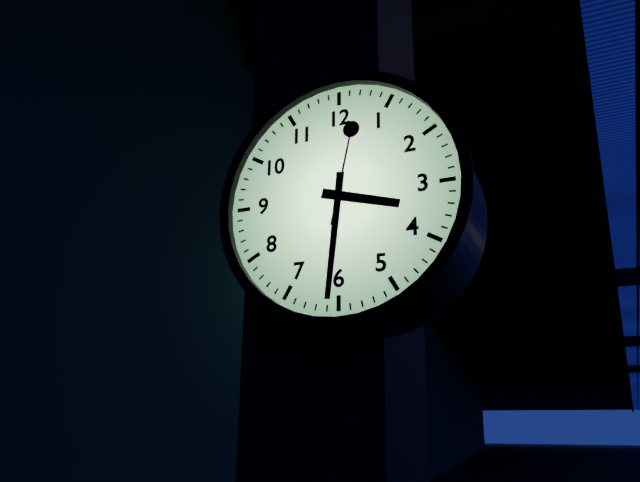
**3:31:02**
